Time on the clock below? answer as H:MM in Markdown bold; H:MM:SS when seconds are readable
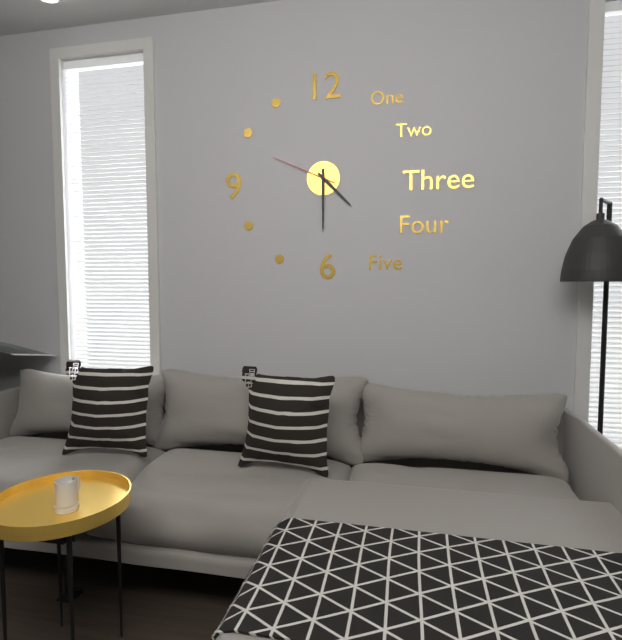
**4:30:49**
